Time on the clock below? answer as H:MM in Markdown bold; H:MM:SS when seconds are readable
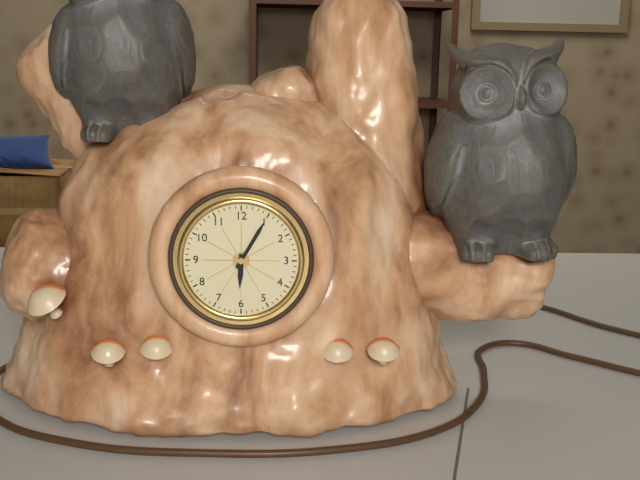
**6:05**
